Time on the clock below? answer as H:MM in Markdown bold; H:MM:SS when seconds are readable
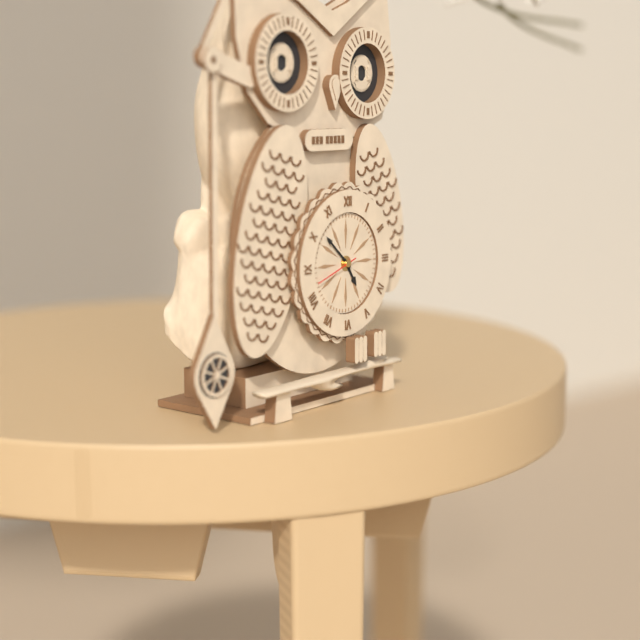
**4:52**
